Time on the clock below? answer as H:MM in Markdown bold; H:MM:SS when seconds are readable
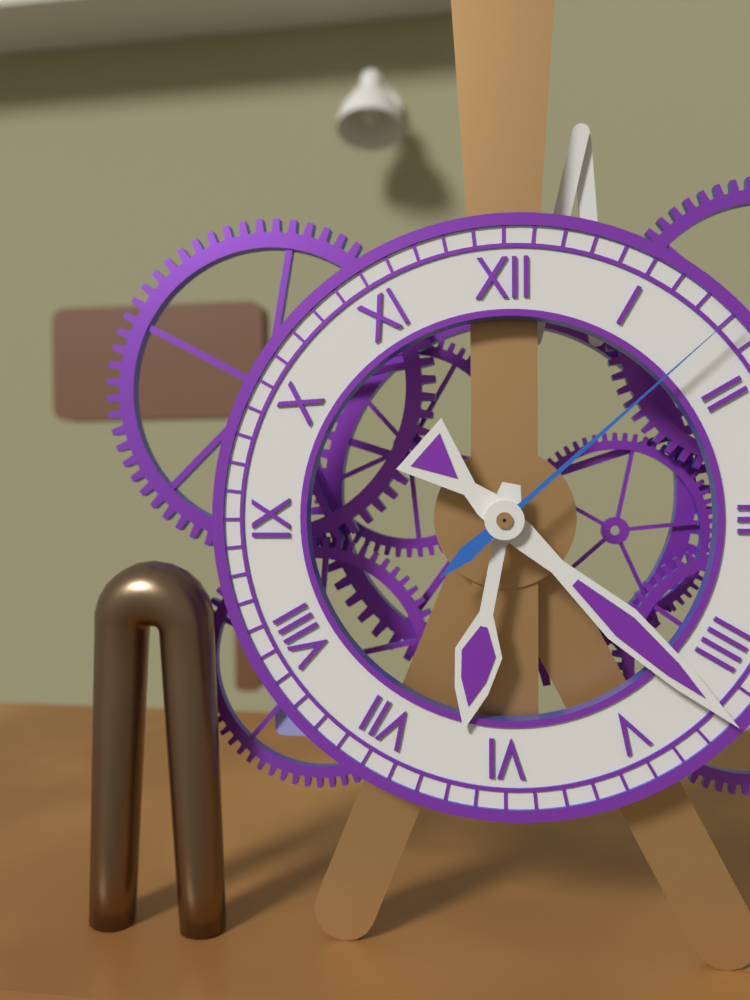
**6:22:08**
